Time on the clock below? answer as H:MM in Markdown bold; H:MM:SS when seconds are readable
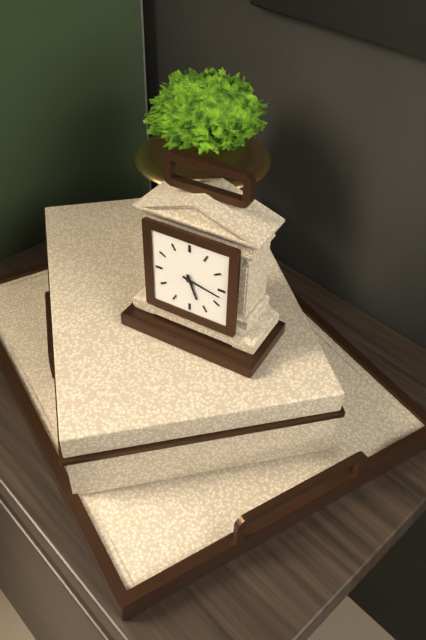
**5:17**
